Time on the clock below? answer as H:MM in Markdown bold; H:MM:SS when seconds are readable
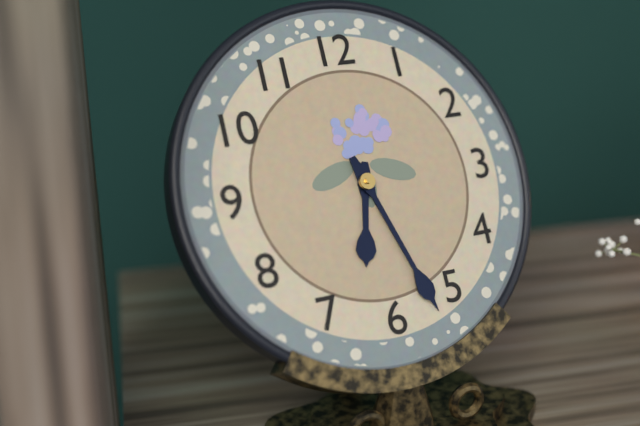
**6:27**
